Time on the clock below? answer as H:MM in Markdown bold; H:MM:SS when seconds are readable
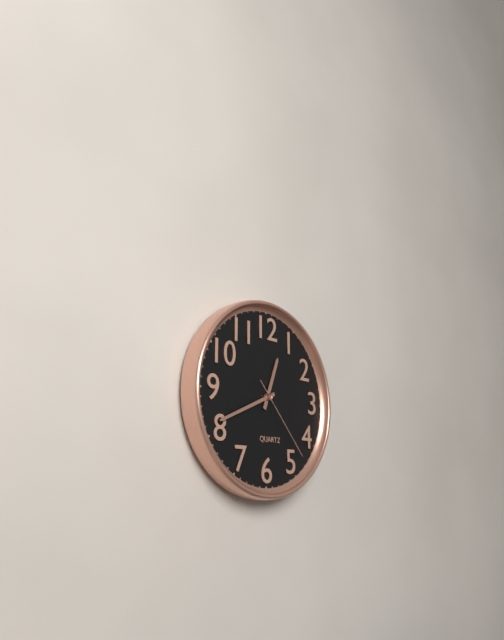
**12:41:23**
